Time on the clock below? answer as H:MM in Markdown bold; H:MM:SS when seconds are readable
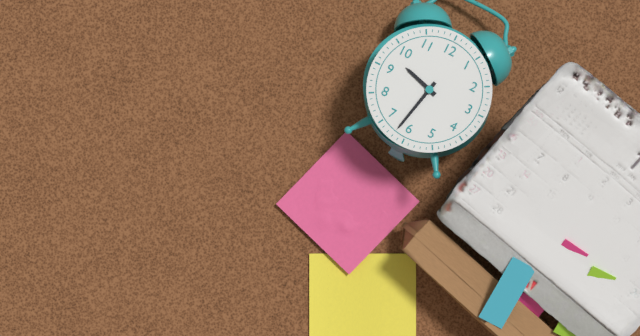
**9:32**
